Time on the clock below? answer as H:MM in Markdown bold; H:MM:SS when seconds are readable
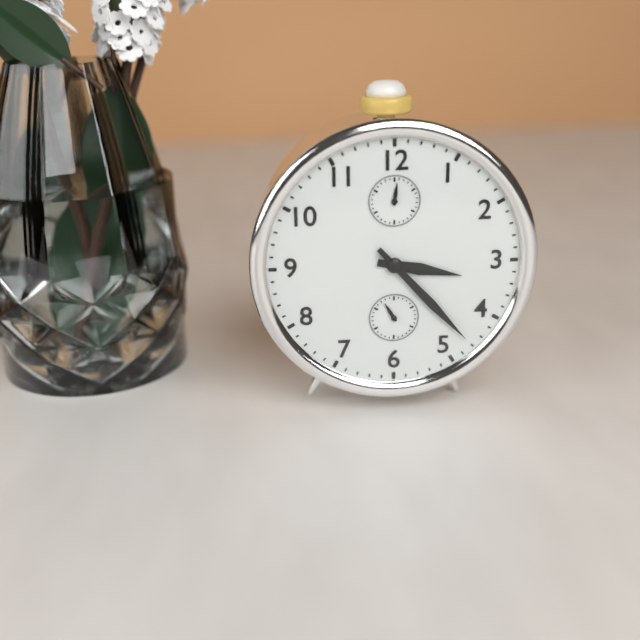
**3:23**
